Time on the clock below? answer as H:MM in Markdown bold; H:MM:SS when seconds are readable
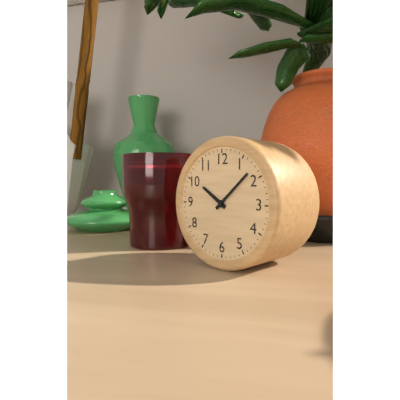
**10:08**
